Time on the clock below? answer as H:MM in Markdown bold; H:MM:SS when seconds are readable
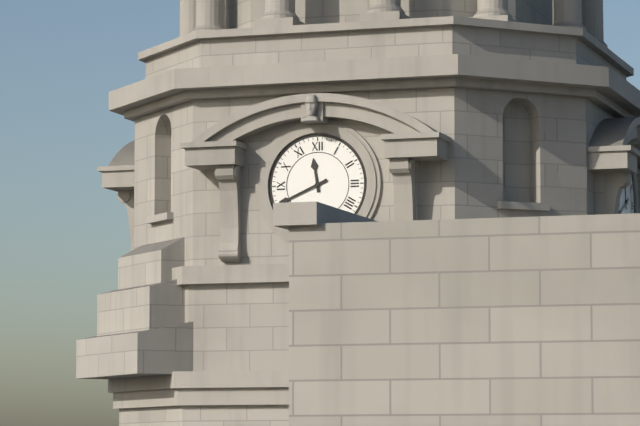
**11:41**
